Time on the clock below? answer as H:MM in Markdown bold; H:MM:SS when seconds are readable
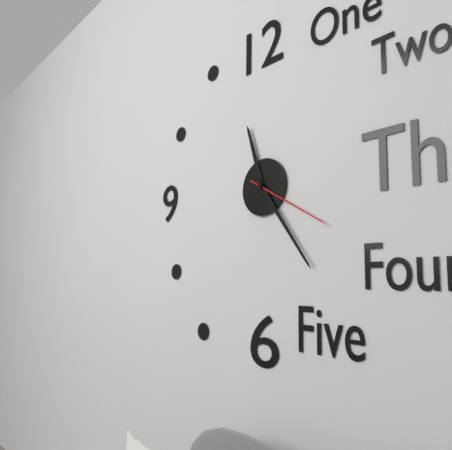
**11:24:20**
